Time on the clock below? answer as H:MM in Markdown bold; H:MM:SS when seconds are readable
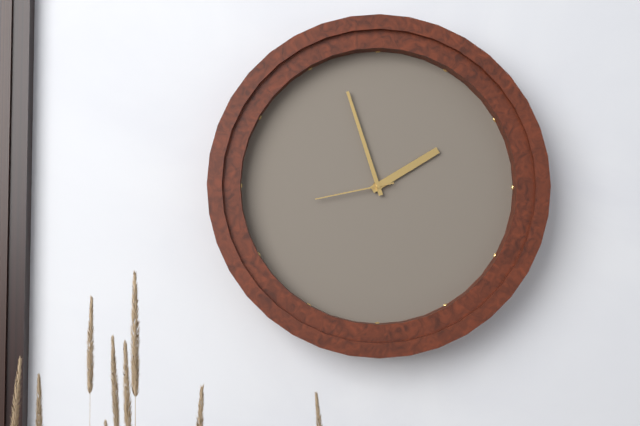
**1:57:43**
